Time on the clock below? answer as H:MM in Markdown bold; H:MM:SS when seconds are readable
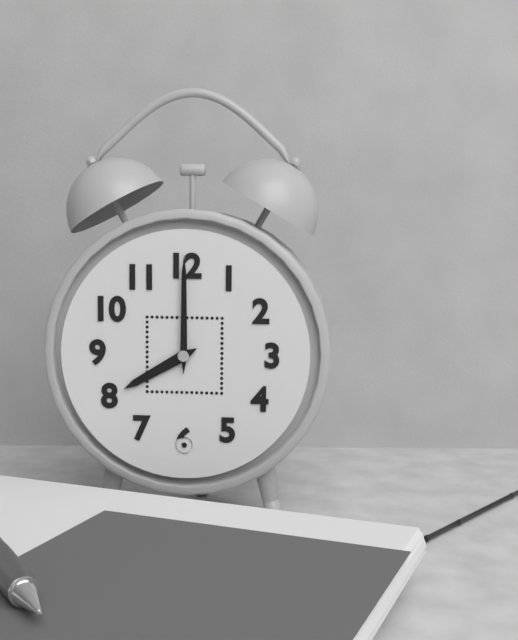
**8:00**
